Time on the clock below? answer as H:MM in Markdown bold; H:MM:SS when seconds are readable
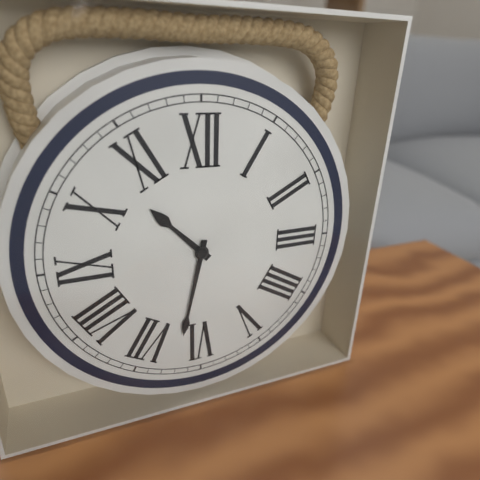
**10:32**
